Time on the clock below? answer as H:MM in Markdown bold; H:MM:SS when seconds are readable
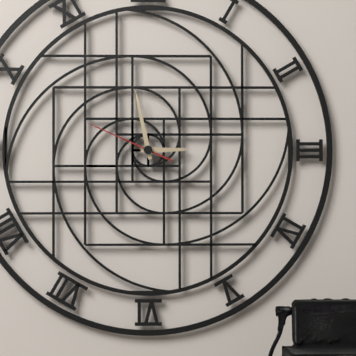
**2:58:49**
